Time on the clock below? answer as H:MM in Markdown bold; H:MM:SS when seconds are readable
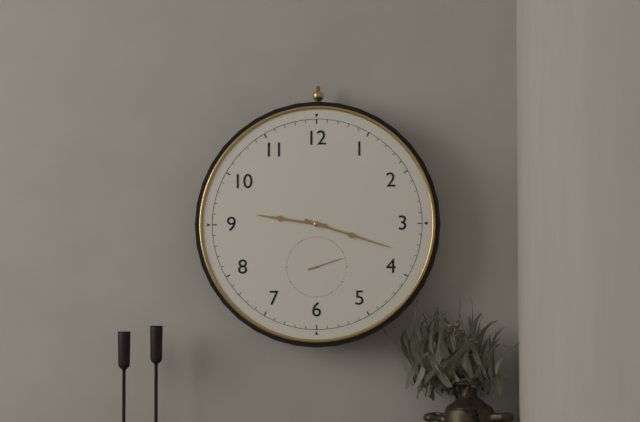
**9:18**
